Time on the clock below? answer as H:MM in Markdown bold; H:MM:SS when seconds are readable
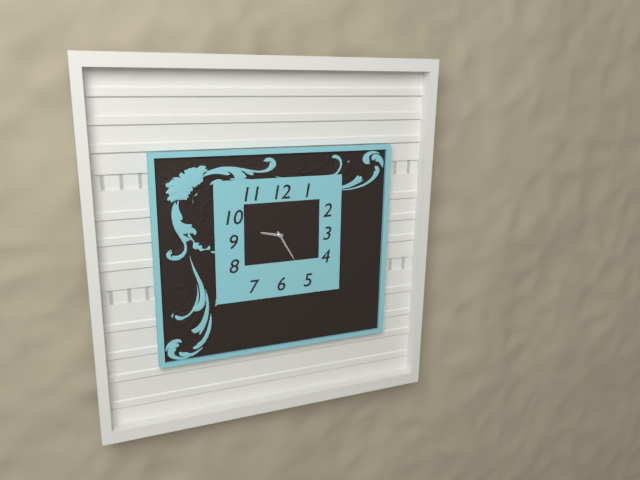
**9:25**
